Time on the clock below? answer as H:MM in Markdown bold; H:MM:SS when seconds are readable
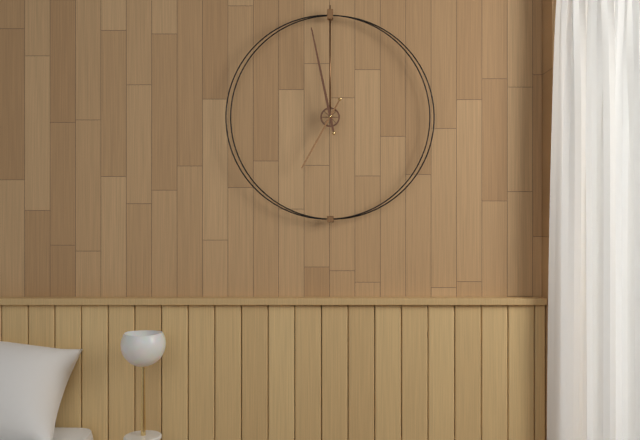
**6:58**
